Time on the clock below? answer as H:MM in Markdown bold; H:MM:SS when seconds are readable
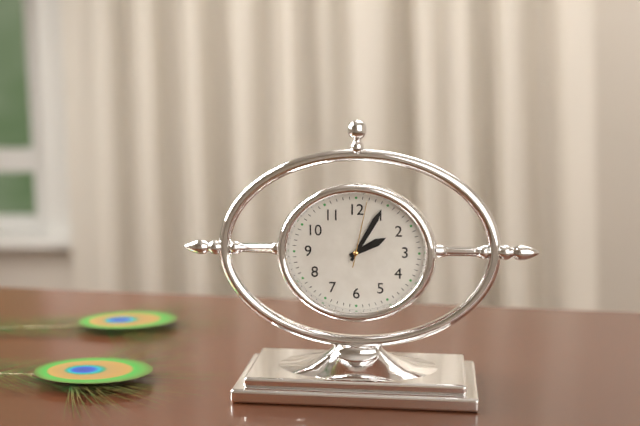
**2:05:02**
